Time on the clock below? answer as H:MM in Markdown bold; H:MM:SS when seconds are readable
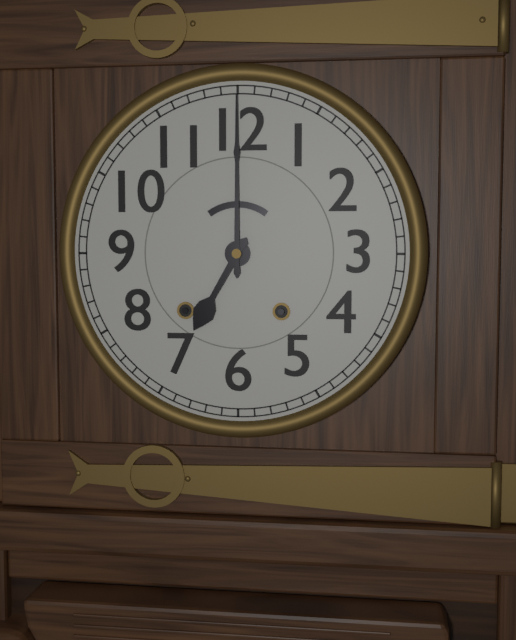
**7:00**
